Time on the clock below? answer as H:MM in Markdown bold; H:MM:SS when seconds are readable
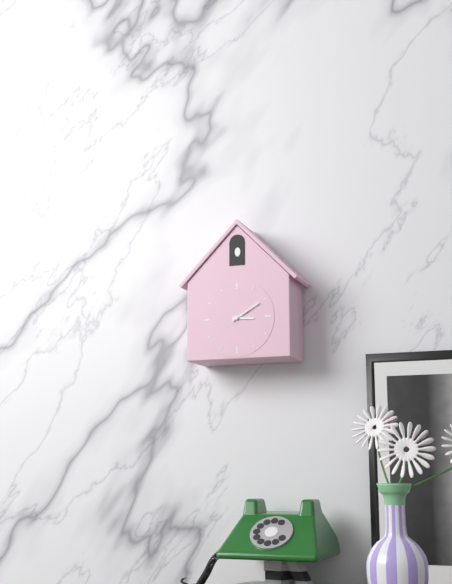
**3:10**
